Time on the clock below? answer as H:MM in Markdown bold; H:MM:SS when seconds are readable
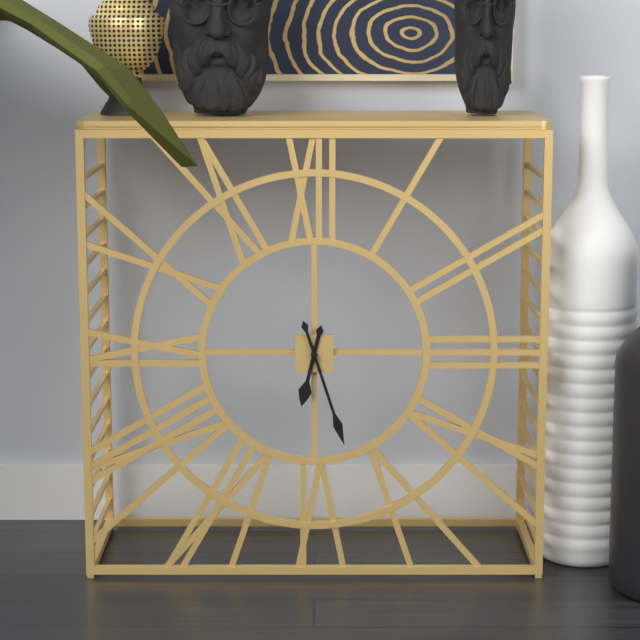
**6:27**
